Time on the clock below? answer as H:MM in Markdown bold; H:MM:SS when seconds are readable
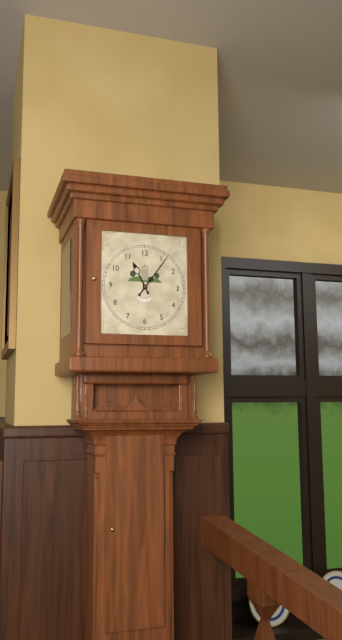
**11:06**
